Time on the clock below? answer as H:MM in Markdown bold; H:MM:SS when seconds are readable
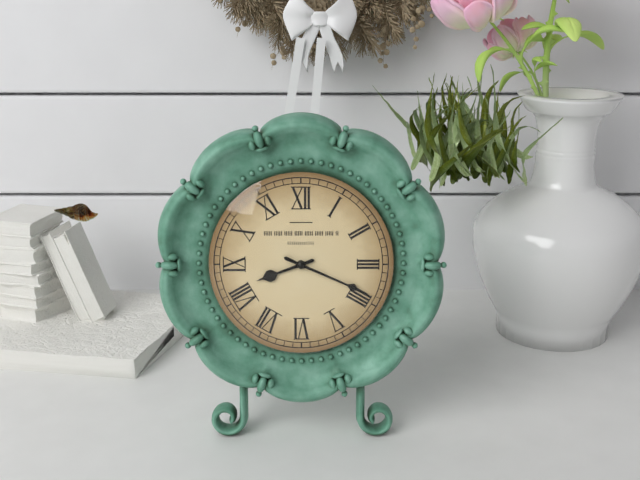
**8:19**
